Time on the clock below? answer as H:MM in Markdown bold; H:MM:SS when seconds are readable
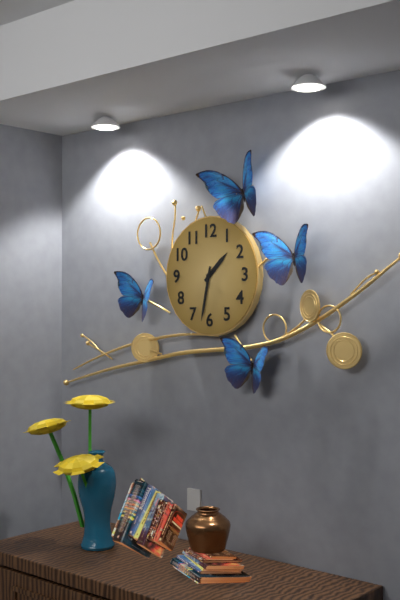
**1:32**
